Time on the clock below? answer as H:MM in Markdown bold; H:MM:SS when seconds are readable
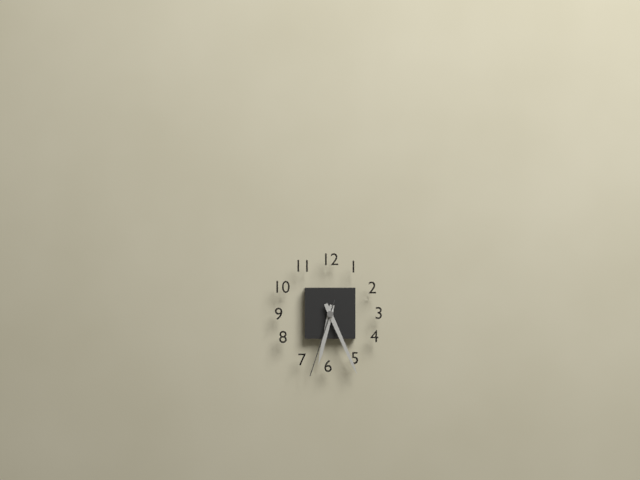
**6:26:33**
